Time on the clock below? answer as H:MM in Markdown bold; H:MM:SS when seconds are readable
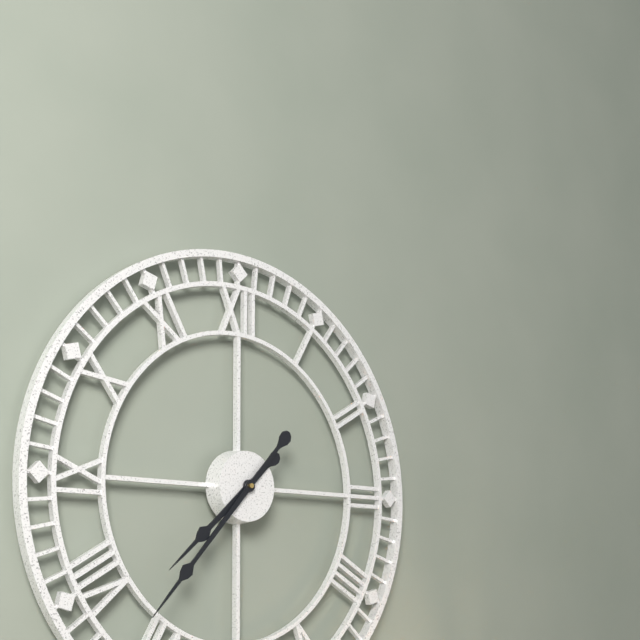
**7:37**
